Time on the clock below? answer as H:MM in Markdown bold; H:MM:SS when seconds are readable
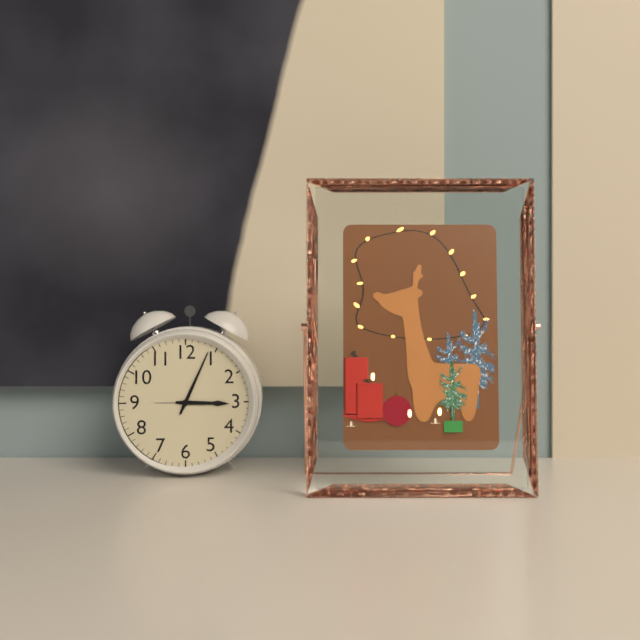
**3:04**
